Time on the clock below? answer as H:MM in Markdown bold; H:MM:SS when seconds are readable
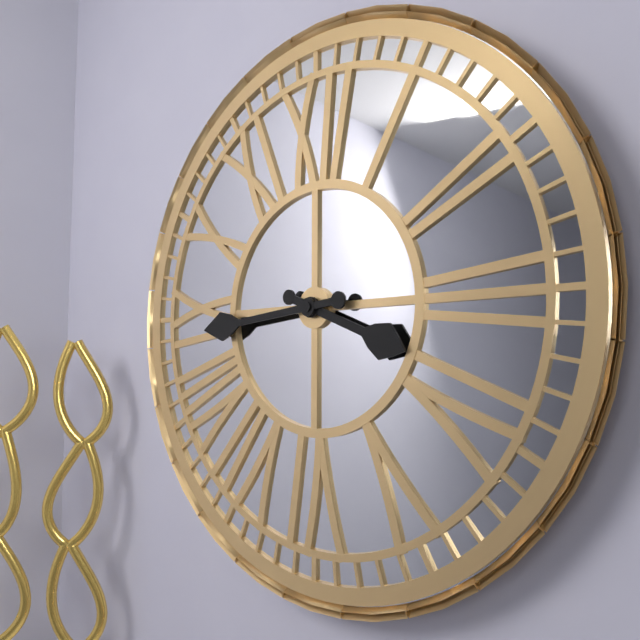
**3:44**
